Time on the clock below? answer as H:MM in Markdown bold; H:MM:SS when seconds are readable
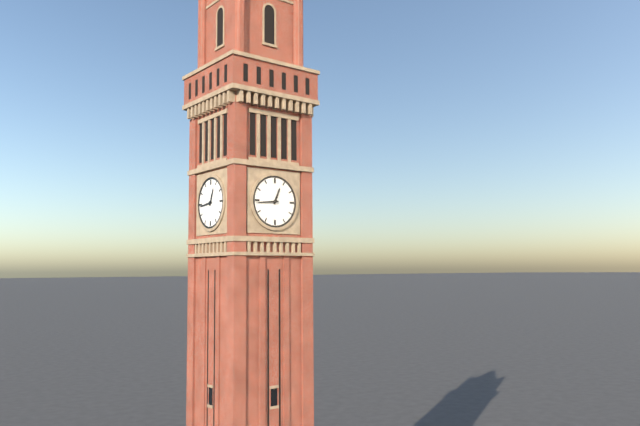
**12:44**
